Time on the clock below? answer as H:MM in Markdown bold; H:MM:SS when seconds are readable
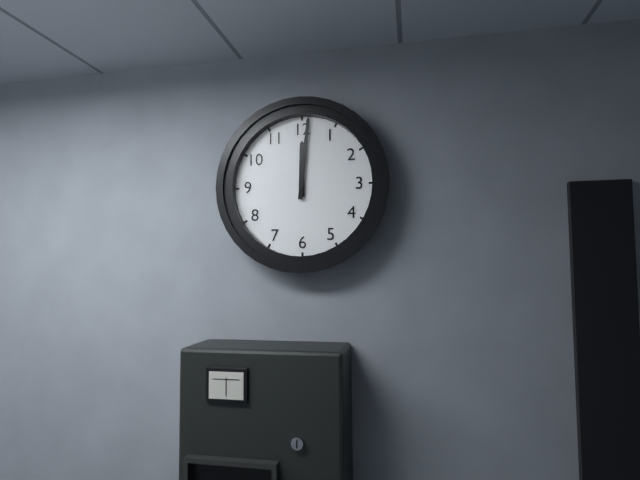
**12:01**
